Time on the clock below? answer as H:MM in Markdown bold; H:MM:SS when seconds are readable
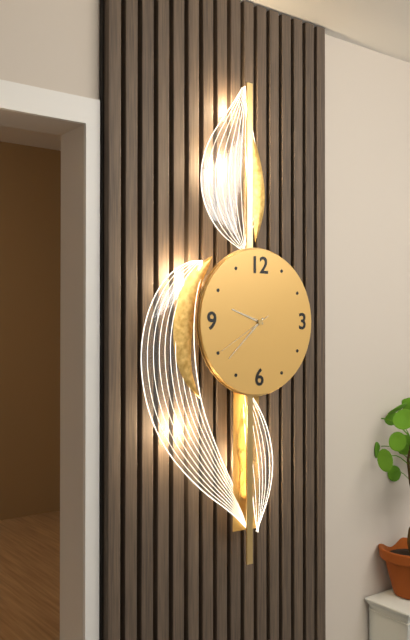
**9:38:40**
